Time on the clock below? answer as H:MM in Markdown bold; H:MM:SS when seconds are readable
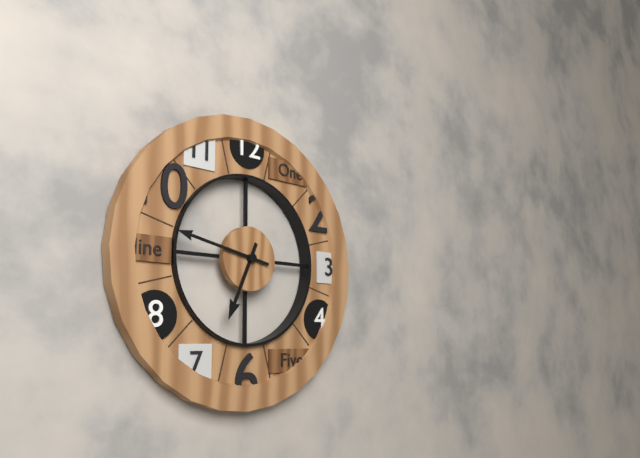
**6:47**
